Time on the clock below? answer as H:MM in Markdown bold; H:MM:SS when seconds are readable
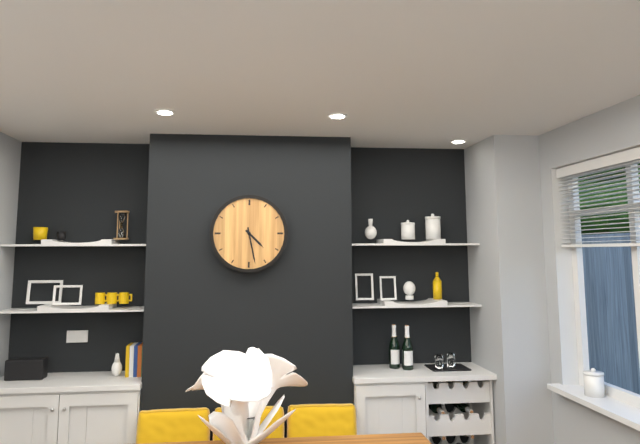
**4:28**
